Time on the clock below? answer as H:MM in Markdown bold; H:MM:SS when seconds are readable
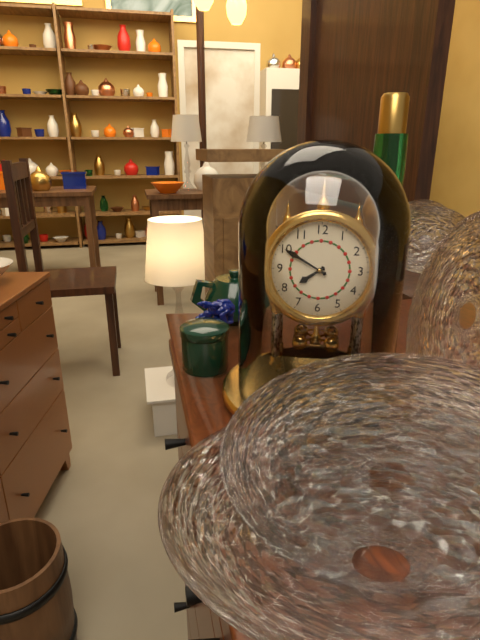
**7:50**
